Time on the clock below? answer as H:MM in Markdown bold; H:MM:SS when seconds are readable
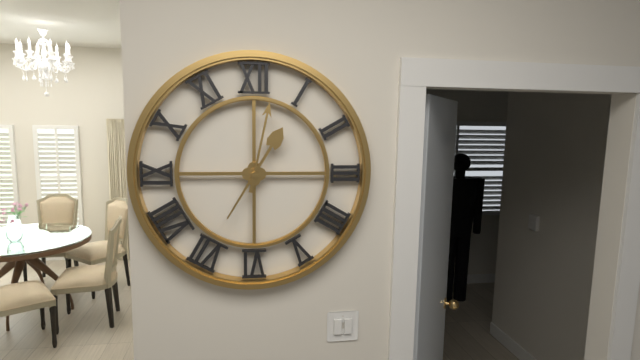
**1:02**
